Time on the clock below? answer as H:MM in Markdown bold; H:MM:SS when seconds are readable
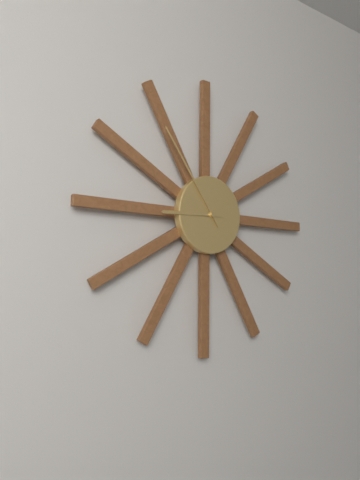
**8:54**
